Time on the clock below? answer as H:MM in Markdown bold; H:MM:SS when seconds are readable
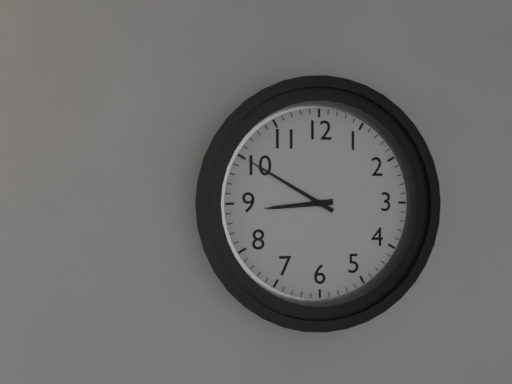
**8:50**
